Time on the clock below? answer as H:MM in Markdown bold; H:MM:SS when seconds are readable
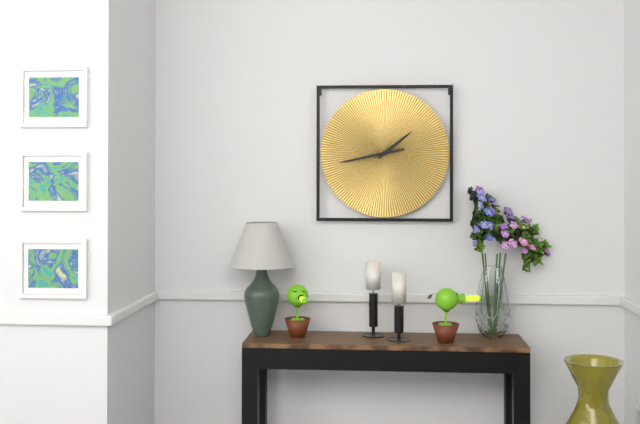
**1:43**
